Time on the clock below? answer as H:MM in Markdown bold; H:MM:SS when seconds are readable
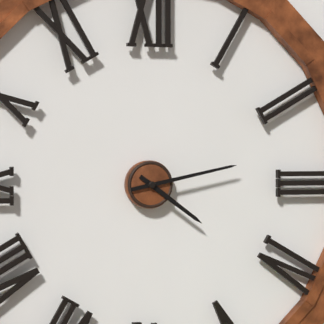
**4:13**
